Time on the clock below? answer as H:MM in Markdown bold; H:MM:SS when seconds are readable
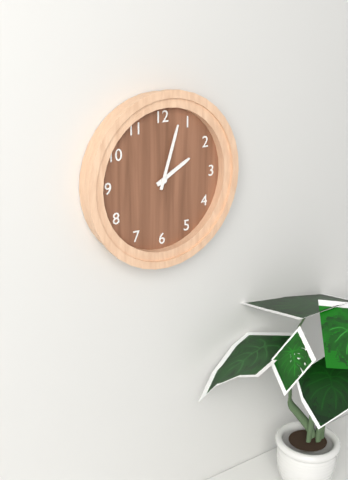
**2:03**
